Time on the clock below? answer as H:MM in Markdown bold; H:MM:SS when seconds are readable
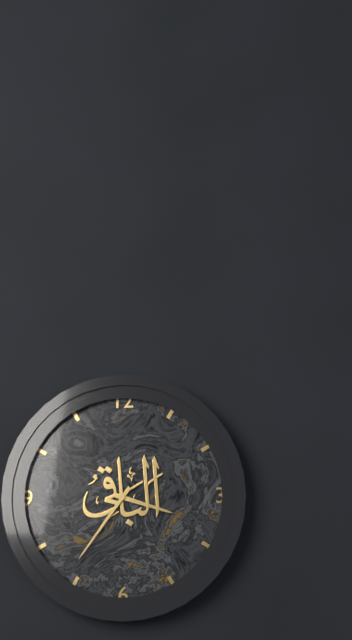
**3:36**
